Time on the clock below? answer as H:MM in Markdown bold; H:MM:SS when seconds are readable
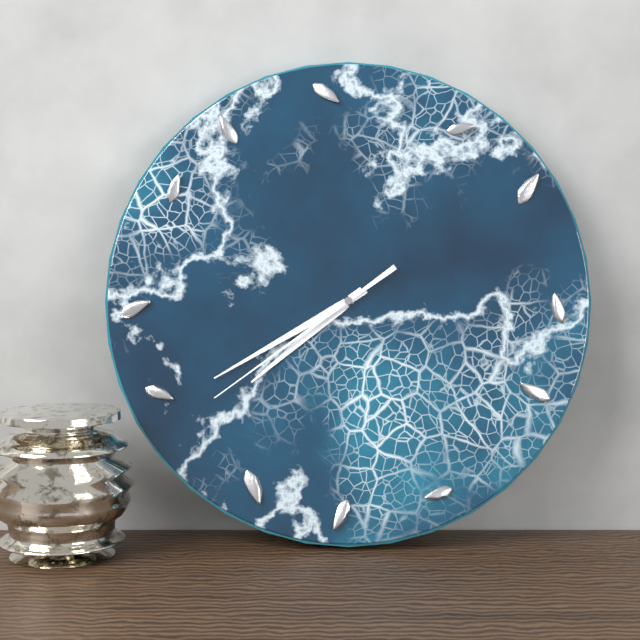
**7:40:39**
